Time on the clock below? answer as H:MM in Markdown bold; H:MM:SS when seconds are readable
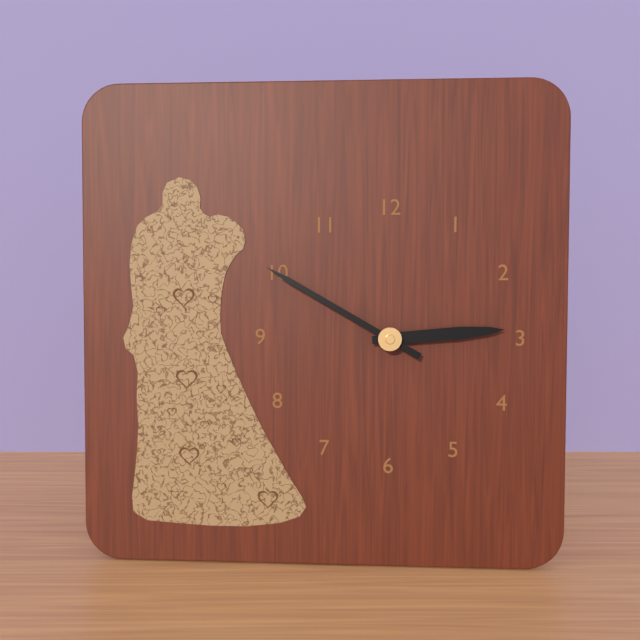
**2:50**
